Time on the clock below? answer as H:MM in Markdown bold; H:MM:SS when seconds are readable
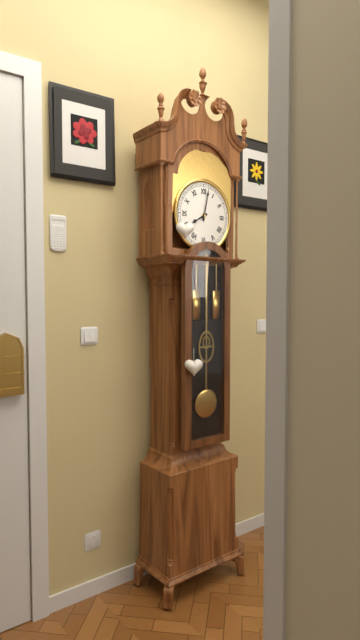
**8:02**
